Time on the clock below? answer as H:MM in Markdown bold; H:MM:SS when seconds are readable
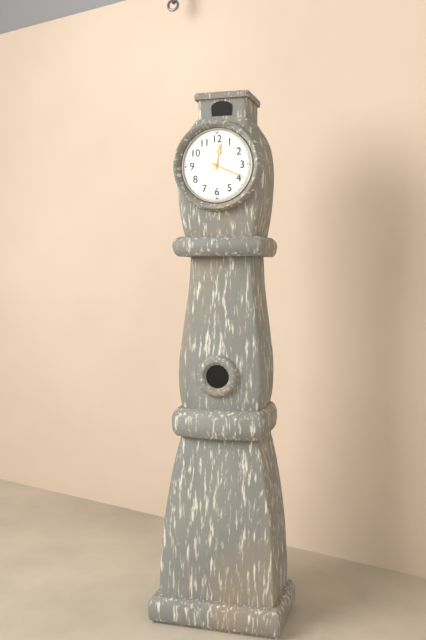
**12:19**
